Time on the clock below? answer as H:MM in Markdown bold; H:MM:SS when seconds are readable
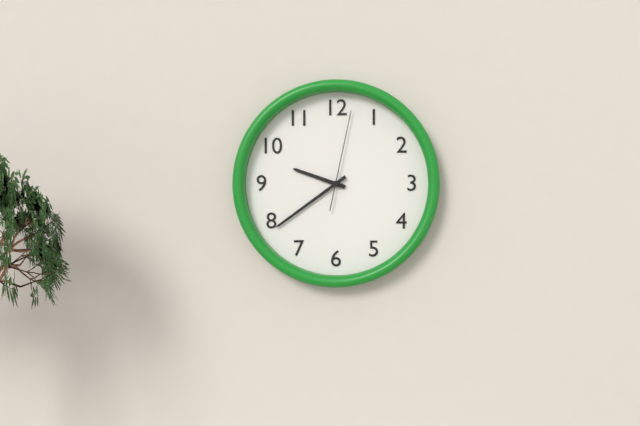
**9:39:02**
